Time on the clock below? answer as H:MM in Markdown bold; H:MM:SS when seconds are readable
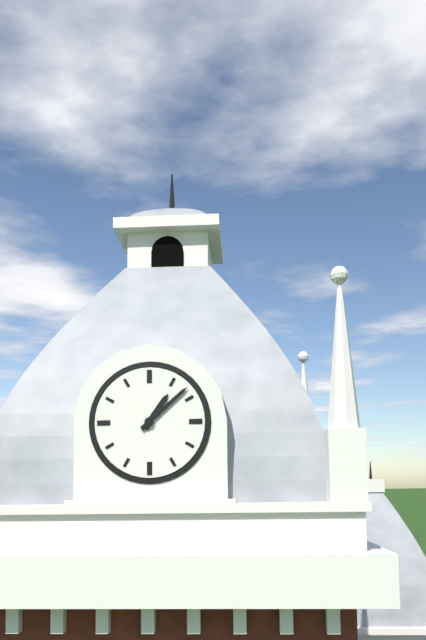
**1:08**
